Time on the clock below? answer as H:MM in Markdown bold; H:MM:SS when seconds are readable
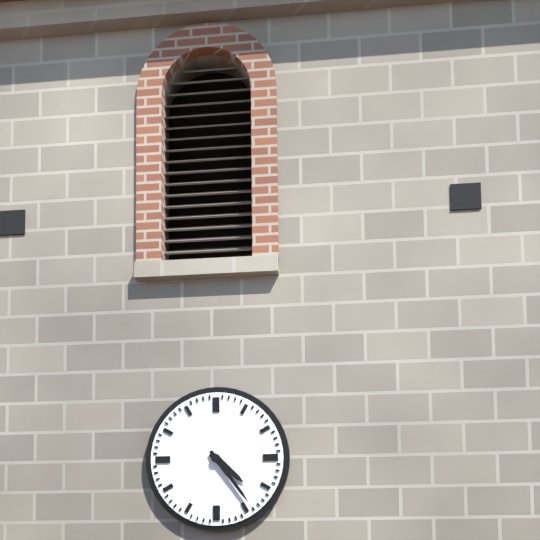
**4:24**
